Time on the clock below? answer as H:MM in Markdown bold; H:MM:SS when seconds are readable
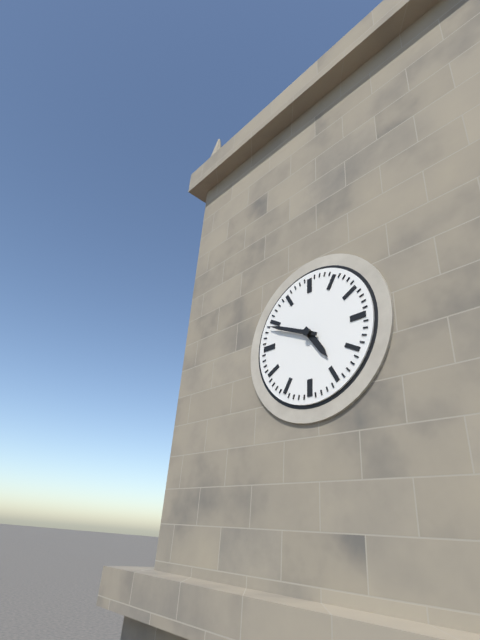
**4:49**
